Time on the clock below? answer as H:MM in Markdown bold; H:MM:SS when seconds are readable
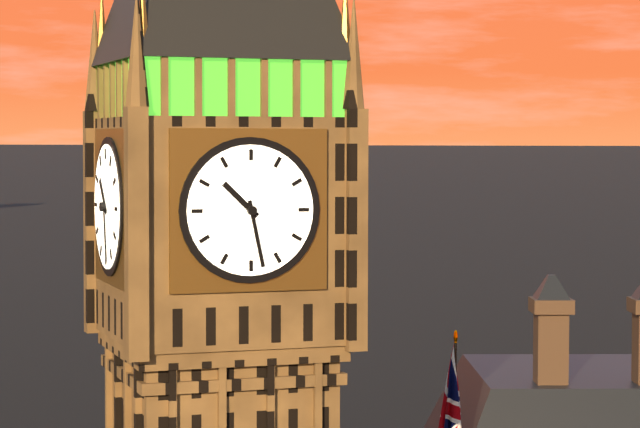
**10:28**
